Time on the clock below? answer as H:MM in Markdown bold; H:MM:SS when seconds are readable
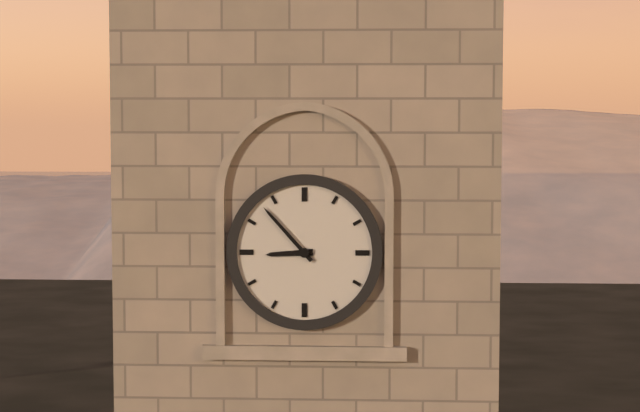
**8:53**
